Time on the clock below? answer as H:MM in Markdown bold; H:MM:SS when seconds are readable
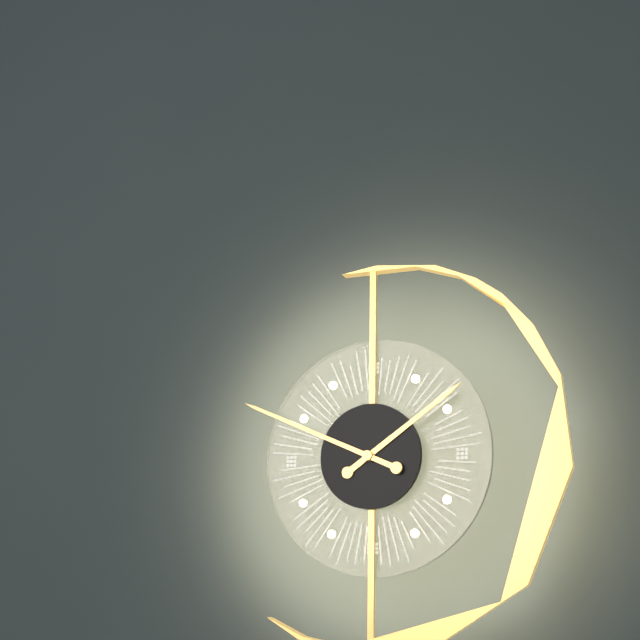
**1:49**
